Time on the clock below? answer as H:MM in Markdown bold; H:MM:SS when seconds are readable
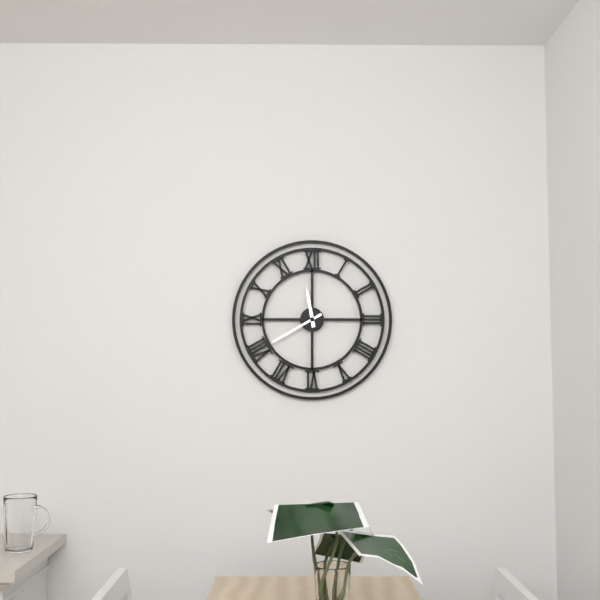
**11:40**
